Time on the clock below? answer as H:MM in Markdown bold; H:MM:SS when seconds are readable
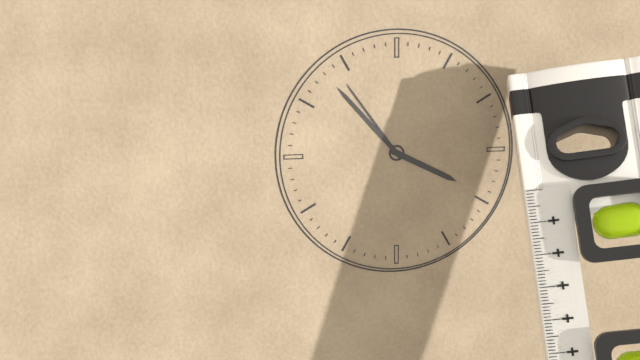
**3:53:54**
